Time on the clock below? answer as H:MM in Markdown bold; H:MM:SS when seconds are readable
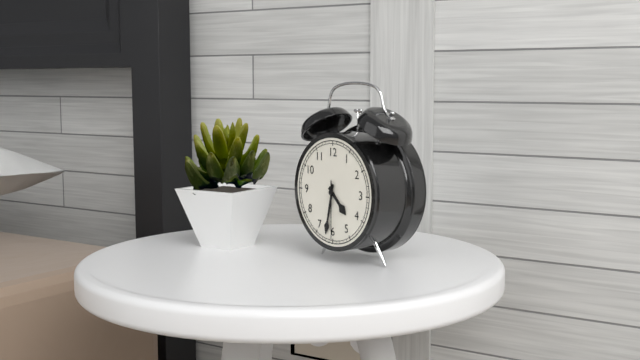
**4:32:30**
